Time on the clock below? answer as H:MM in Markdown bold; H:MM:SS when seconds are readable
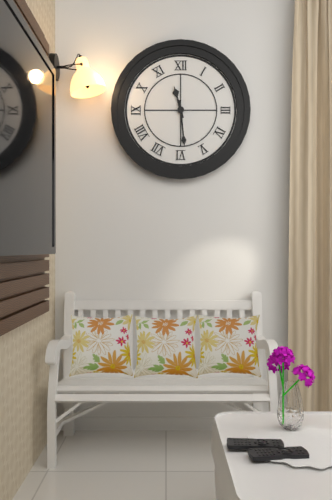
**11:29**
